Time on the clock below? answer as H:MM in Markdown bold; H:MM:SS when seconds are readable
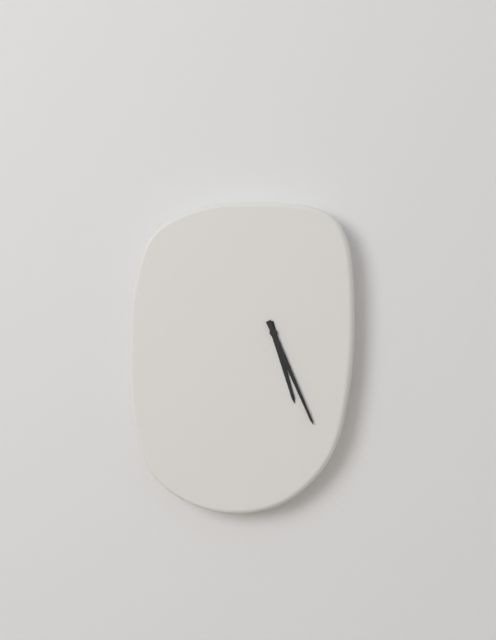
**5:26**
